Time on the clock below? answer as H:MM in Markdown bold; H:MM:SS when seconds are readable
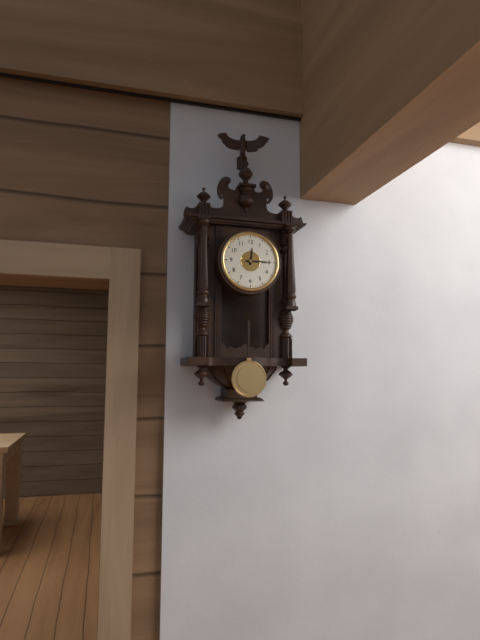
**12:15**
